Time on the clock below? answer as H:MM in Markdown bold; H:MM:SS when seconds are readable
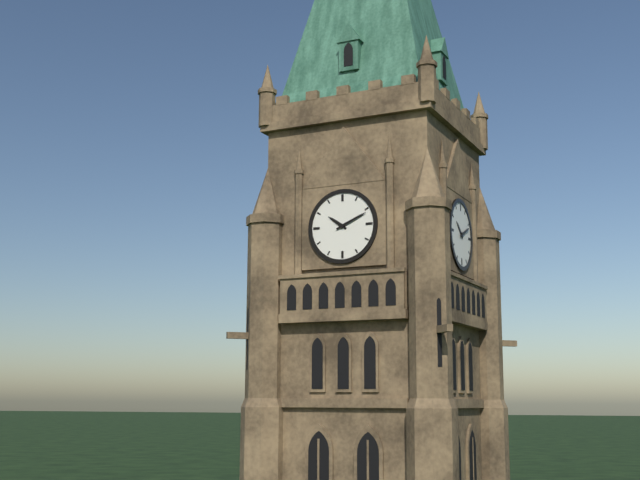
**10:11**
